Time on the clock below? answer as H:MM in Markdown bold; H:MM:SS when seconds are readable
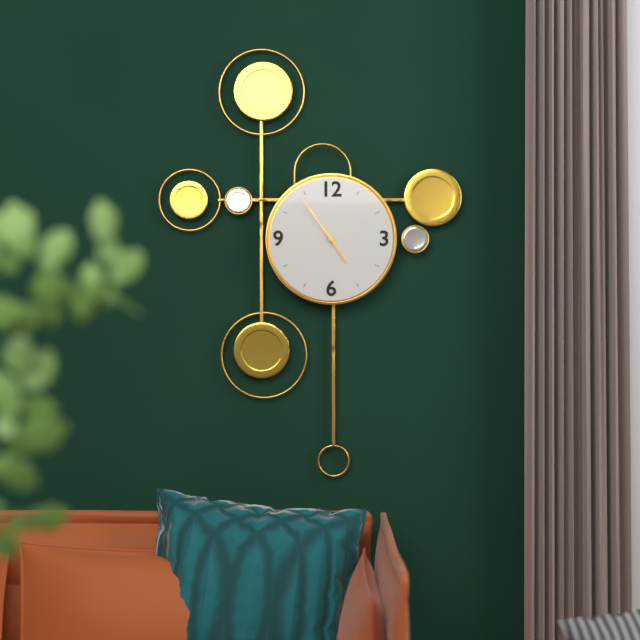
**4:54**
